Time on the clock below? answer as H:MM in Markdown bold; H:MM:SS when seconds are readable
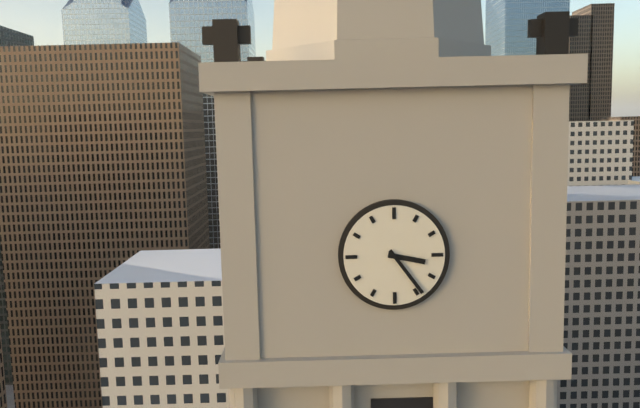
**3:24**
